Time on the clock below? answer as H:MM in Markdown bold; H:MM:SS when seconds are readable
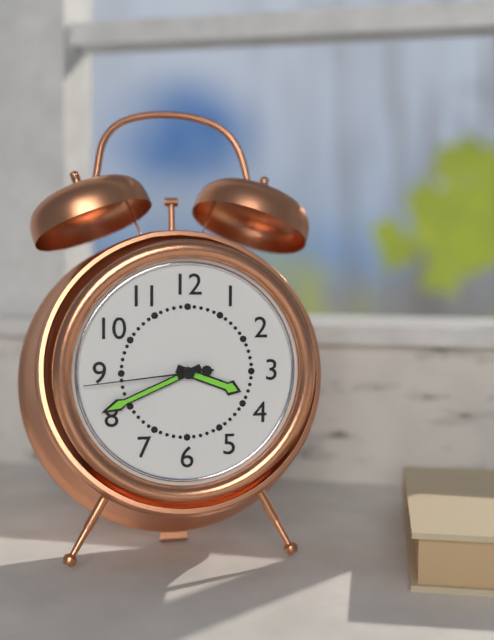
**3:41:44**
